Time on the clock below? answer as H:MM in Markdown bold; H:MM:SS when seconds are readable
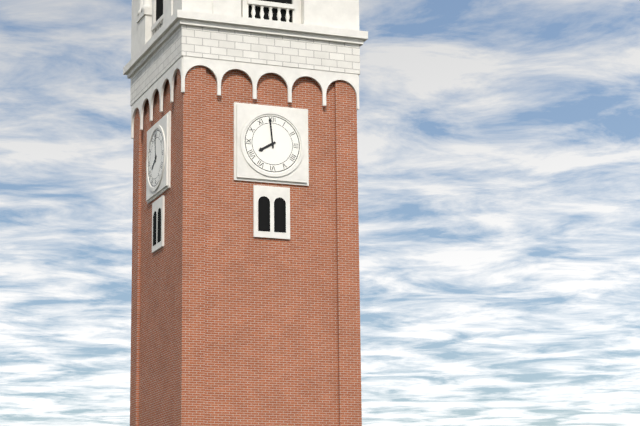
**7:59**
